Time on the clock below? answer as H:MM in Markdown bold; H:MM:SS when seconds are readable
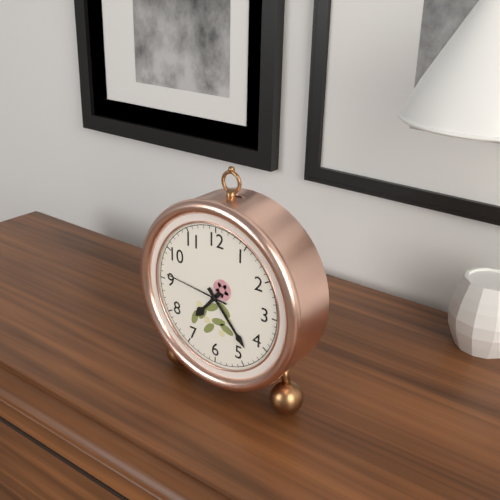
**7:23:46**
